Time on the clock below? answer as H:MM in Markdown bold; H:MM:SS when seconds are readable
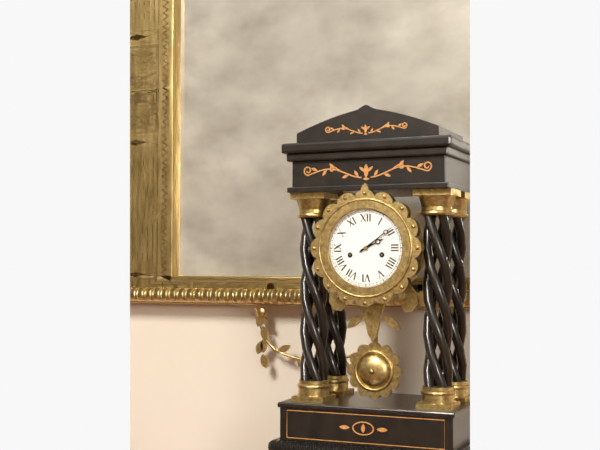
**2:09**
